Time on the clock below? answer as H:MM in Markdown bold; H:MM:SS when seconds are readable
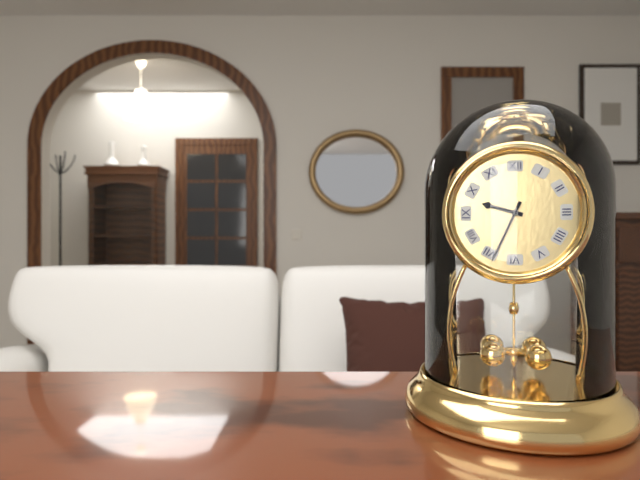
**9:34**
